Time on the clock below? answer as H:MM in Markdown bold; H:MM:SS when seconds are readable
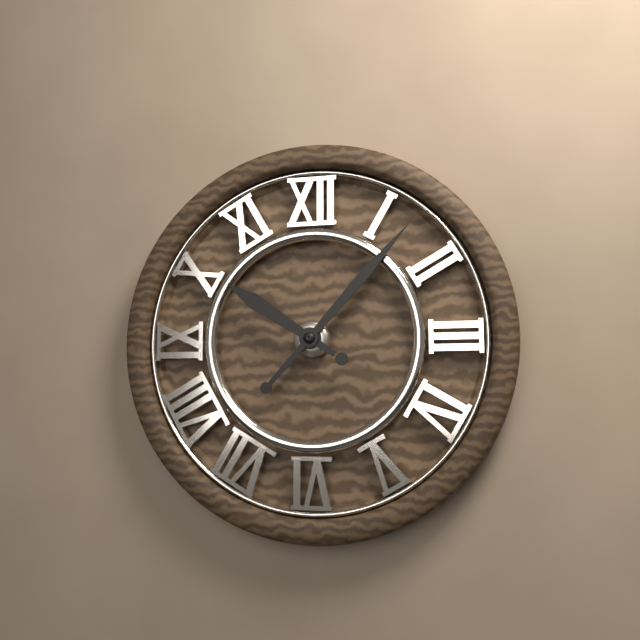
**10:07**
